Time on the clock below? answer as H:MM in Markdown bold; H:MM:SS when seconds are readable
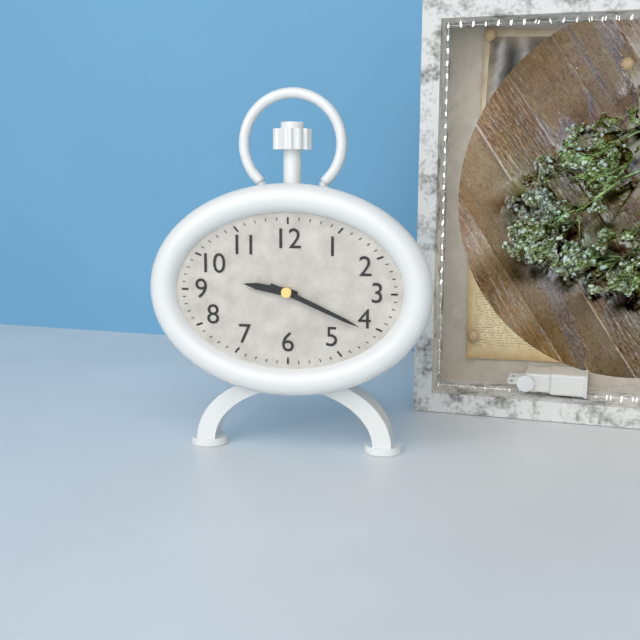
**9:19**
